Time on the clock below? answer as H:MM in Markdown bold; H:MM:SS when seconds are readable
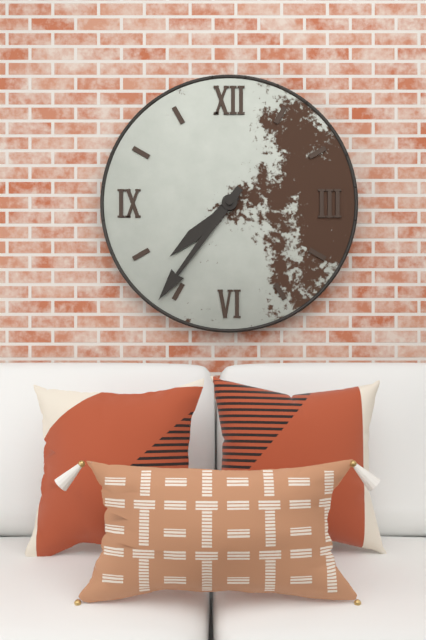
**7:36**
